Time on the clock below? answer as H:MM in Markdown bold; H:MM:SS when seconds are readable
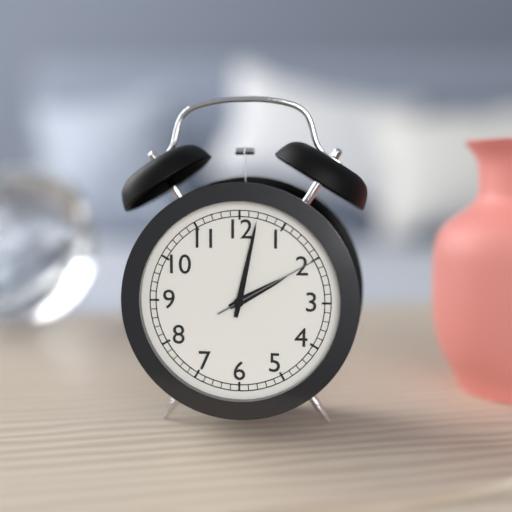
**2:02:10**
